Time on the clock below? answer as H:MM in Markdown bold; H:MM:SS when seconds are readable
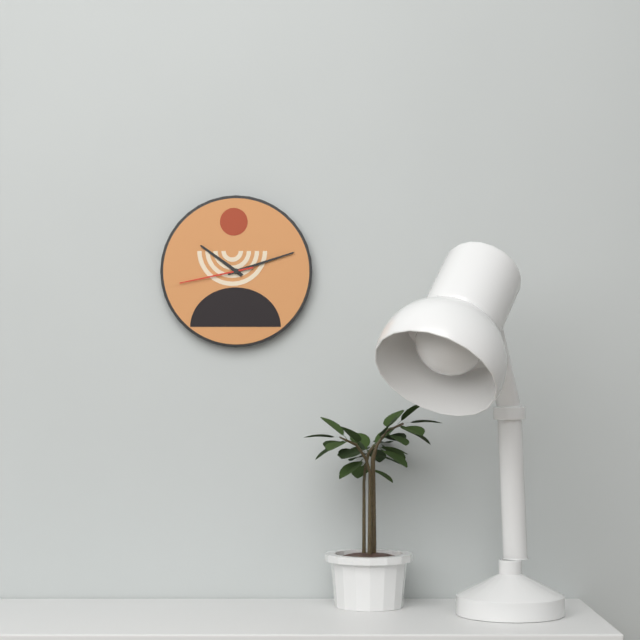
**10:12:43**
